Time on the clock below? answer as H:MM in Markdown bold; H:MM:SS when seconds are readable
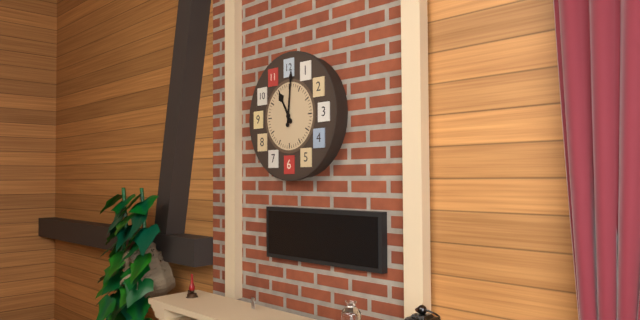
**11:01**
